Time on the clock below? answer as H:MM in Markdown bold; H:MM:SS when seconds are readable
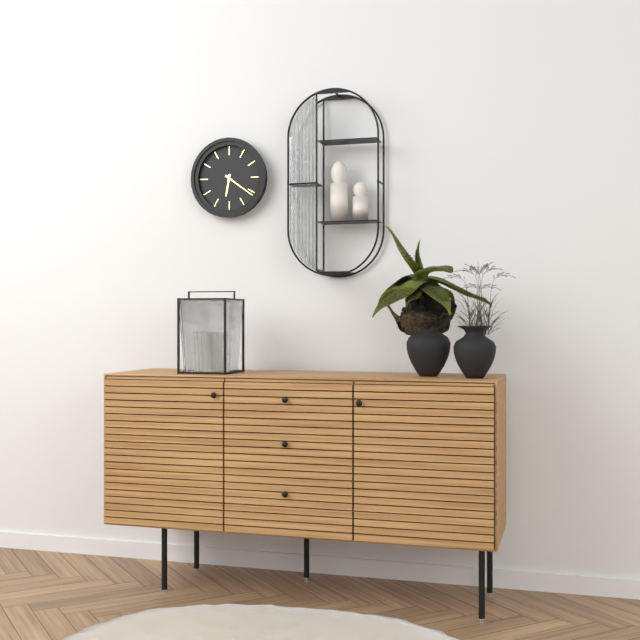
**6:21**
